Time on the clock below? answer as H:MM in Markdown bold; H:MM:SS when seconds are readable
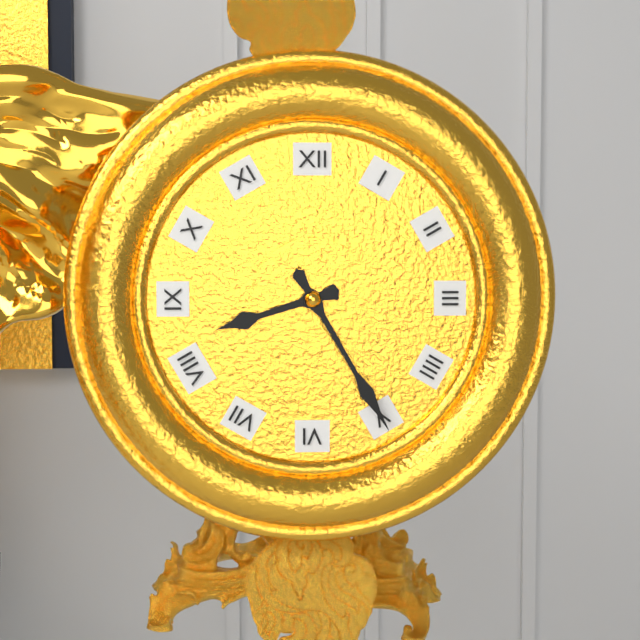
**8:25**
